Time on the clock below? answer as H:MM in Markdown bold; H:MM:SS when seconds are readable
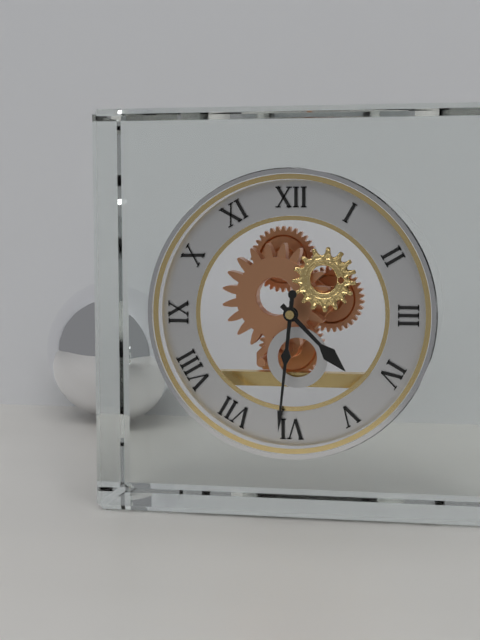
**4:31**
